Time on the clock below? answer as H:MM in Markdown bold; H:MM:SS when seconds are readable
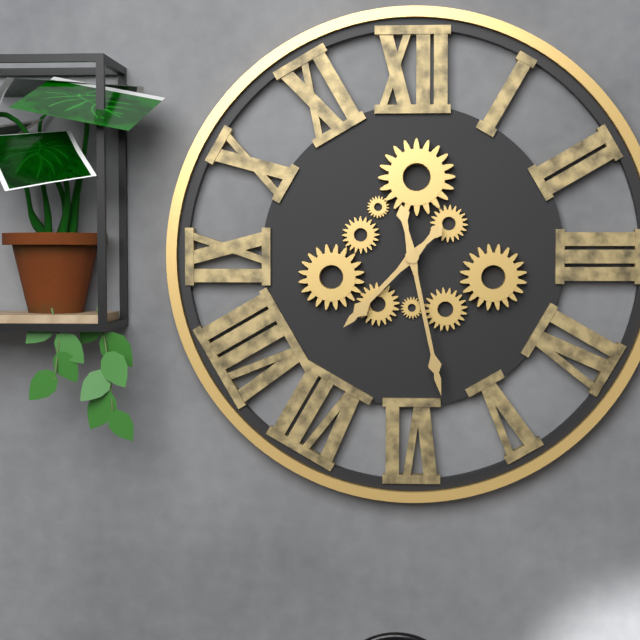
**7:28**
